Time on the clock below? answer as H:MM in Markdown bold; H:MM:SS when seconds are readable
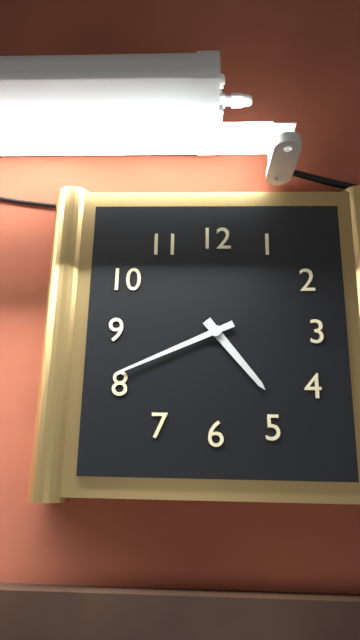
**4:41**
